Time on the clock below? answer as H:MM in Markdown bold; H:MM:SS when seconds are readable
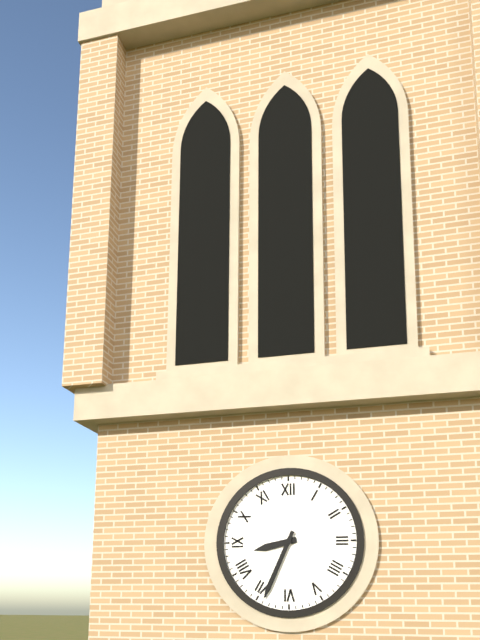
**8:34**
